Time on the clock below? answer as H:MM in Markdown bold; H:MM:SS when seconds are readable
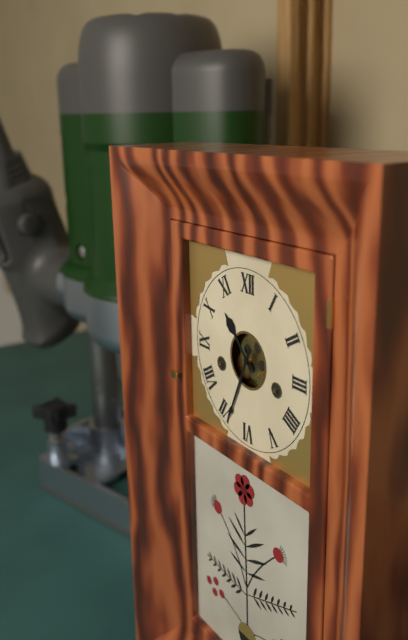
**10:34**
